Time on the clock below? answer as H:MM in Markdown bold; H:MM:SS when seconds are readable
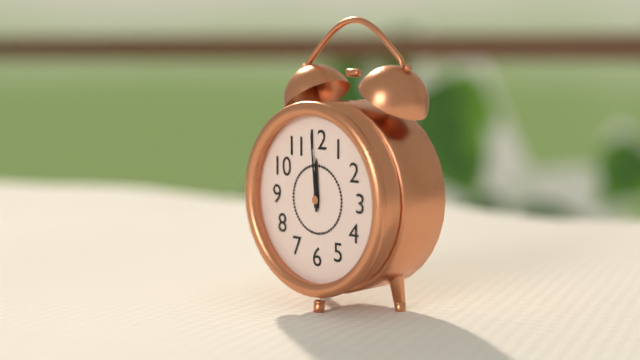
**11:59**
